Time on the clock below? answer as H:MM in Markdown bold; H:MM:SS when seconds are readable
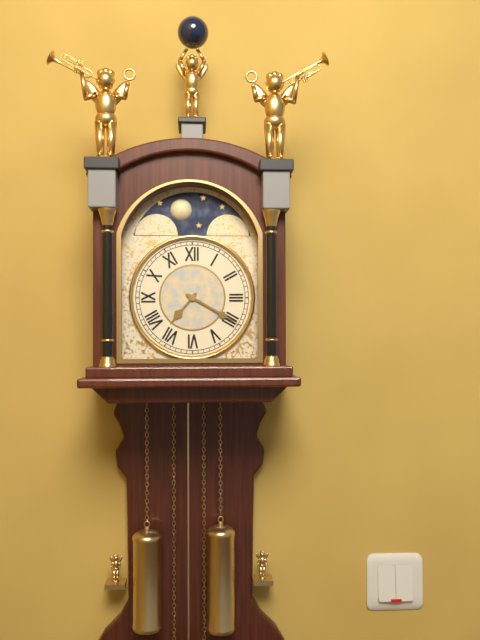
**7:20**
